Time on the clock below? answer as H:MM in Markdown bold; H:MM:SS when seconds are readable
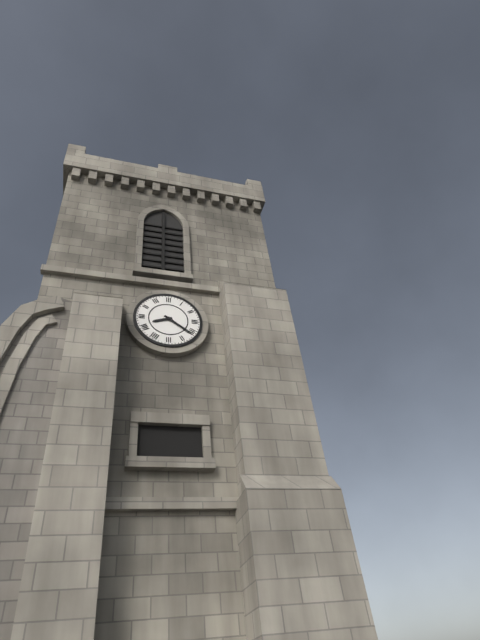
**8:21**
